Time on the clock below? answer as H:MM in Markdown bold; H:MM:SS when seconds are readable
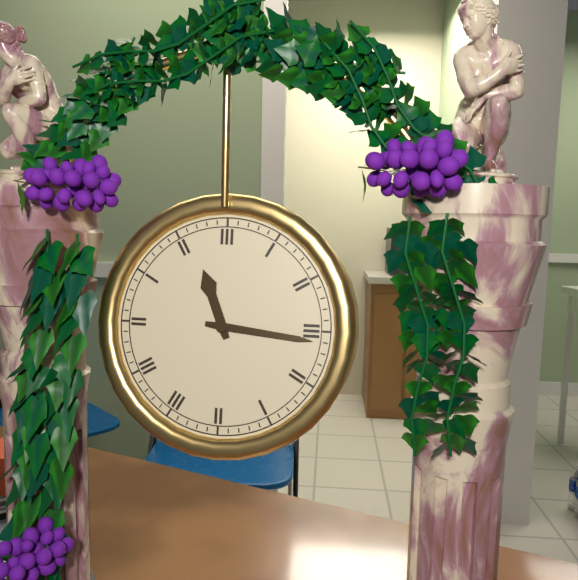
**11:16**
